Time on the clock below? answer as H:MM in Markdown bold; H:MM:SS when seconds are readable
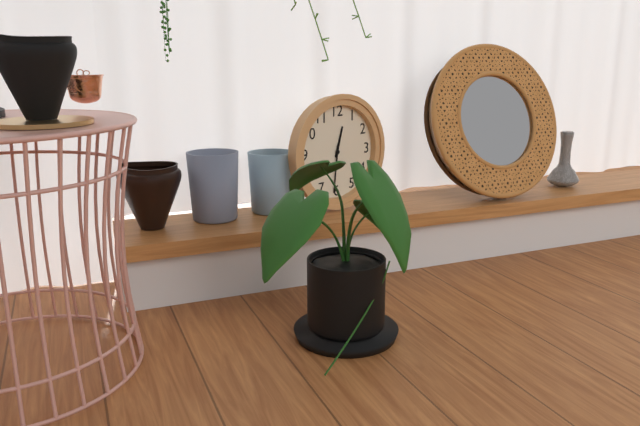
**12:31**
